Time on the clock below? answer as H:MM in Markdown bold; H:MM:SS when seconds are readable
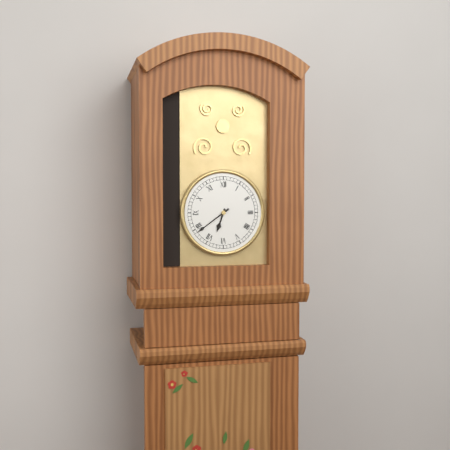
**6:39**
